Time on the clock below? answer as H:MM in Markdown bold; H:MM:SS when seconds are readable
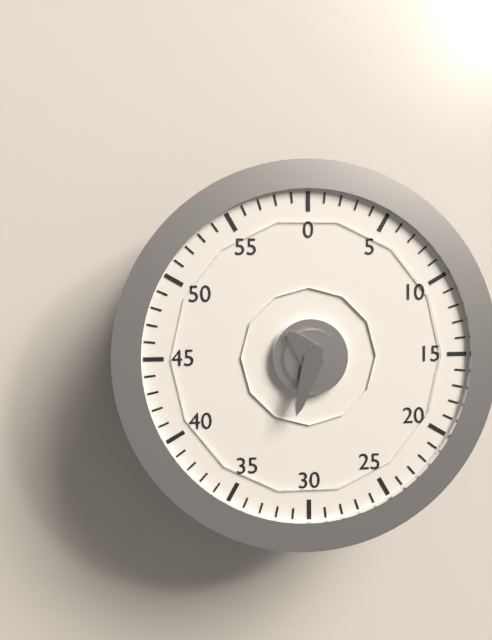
**10:33**
